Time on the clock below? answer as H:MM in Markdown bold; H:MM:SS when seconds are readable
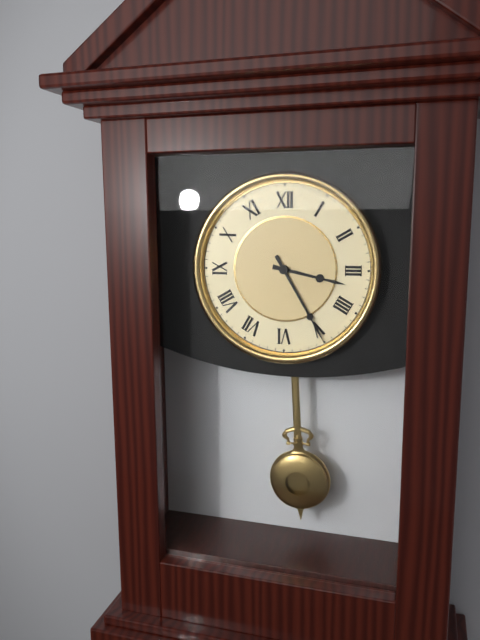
**3:25**
